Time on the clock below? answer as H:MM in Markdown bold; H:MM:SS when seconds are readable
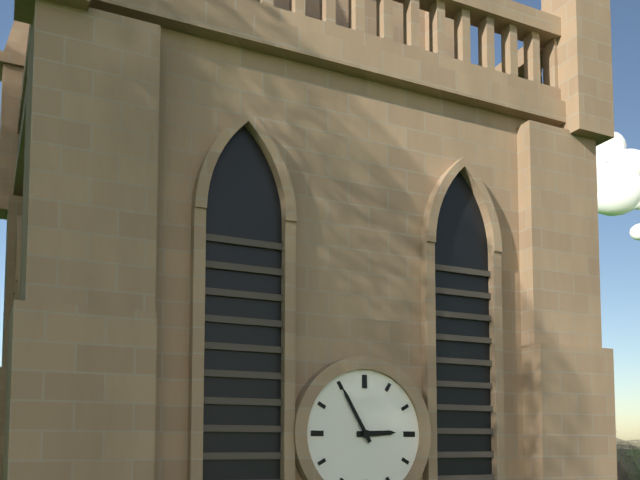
**2:55**
